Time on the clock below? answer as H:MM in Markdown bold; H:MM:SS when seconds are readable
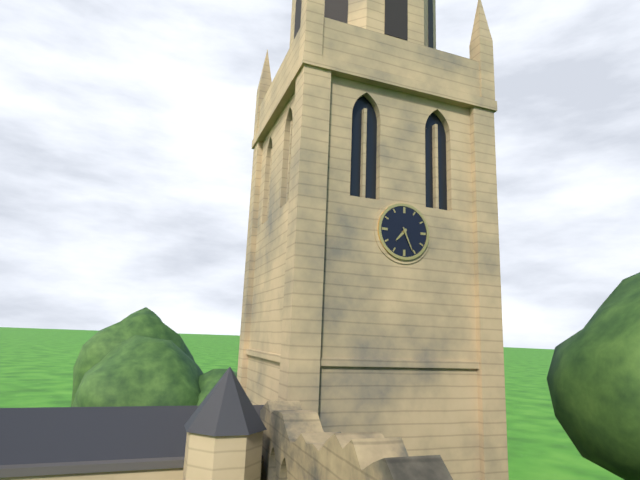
**7:26**
